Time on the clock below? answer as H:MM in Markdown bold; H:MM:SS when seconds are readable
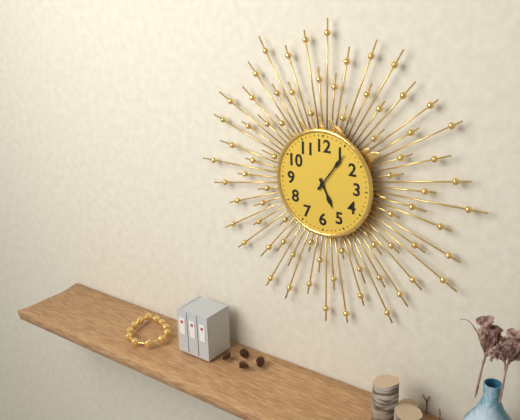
**5:06**
